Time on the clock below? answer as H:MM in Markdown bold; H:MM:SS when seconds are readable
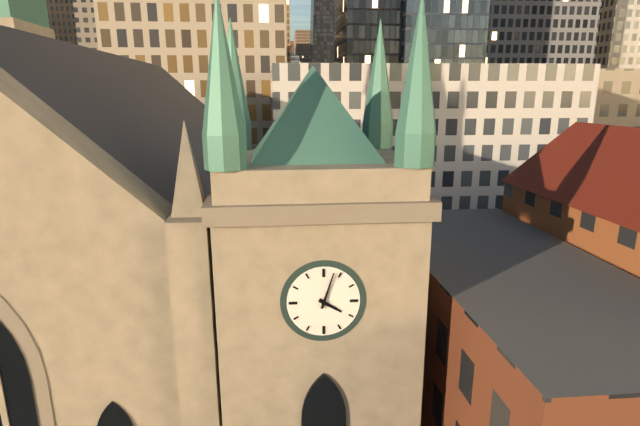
**4:03**
